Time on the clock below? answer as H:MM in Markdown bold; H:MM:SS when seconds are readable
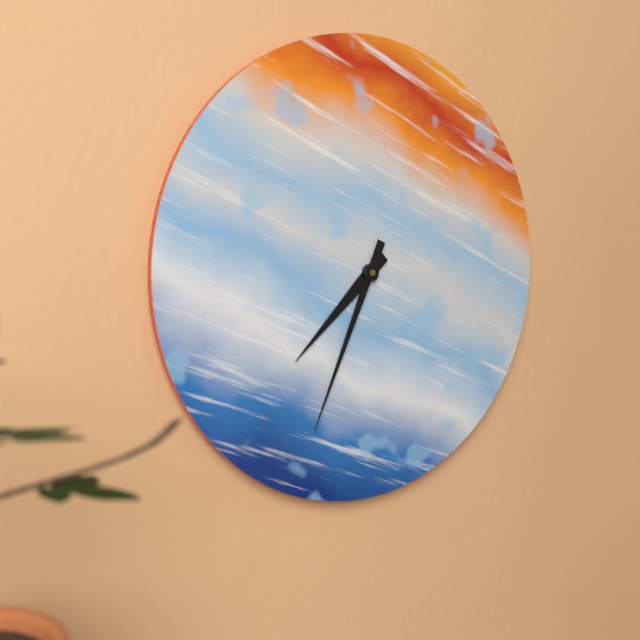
**7:34**
